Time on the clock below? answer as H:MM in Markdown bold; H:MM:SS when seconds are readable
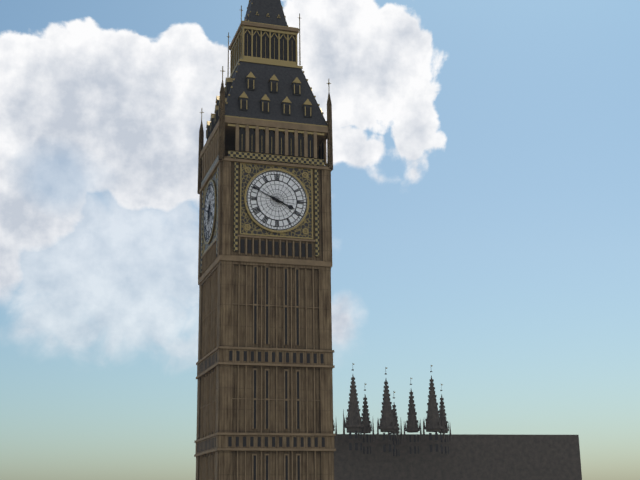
**3:49**
